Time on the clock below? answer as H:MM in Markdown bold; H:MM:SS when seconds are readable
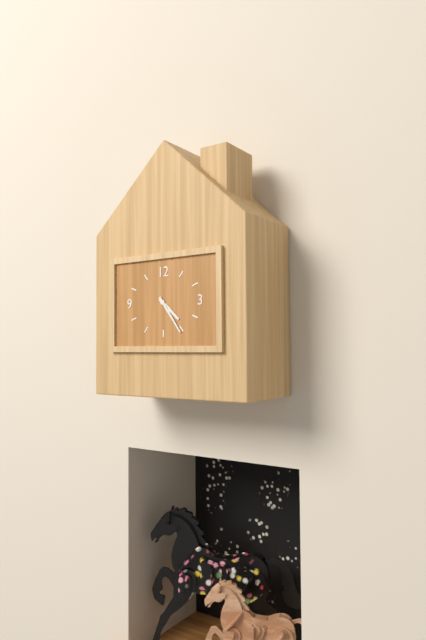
**4:24**
